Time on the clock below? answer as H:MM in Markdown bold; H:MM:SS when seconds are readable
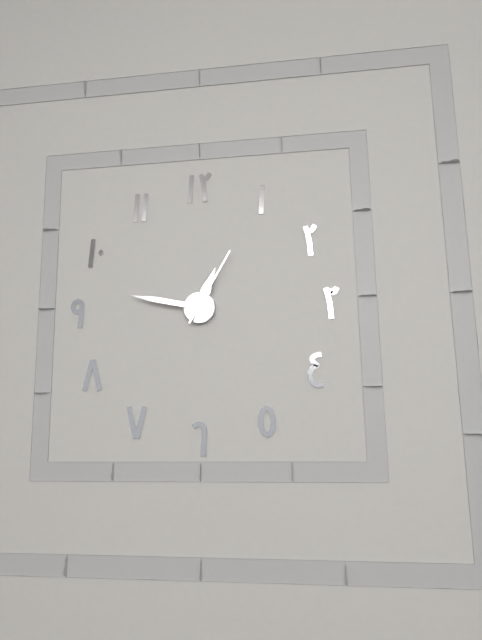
**12:47:05**
